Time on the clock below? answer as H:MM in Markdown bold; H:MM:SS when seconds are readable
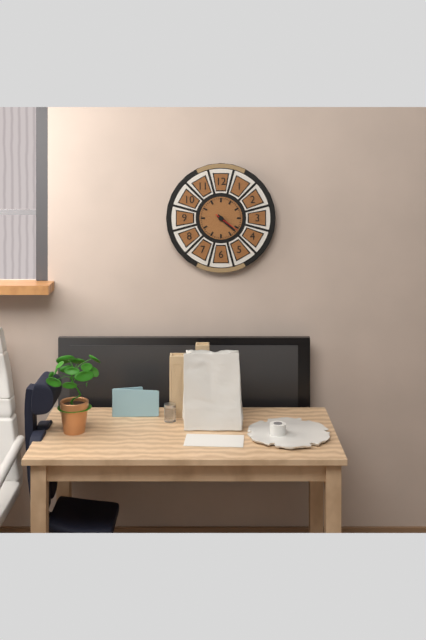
**4:22**
